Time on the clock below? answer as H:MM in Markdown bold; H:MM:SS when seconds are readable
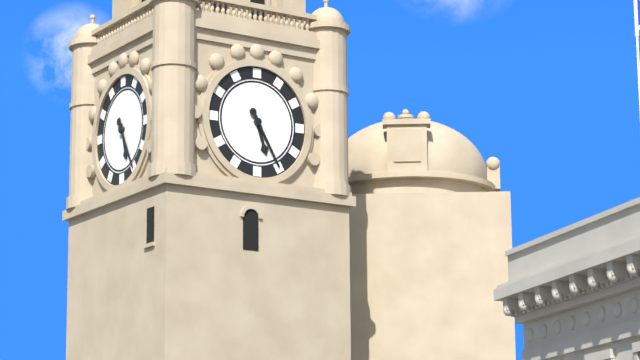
**5:25**
